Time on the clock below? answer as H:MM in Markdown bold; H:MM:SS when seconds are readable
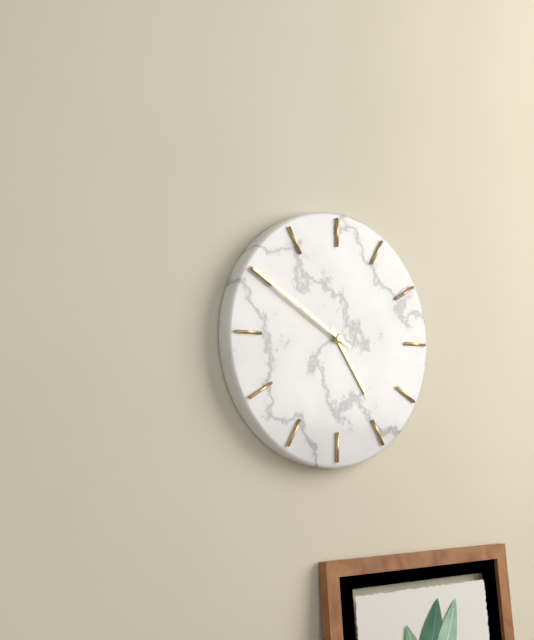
**4:50**
